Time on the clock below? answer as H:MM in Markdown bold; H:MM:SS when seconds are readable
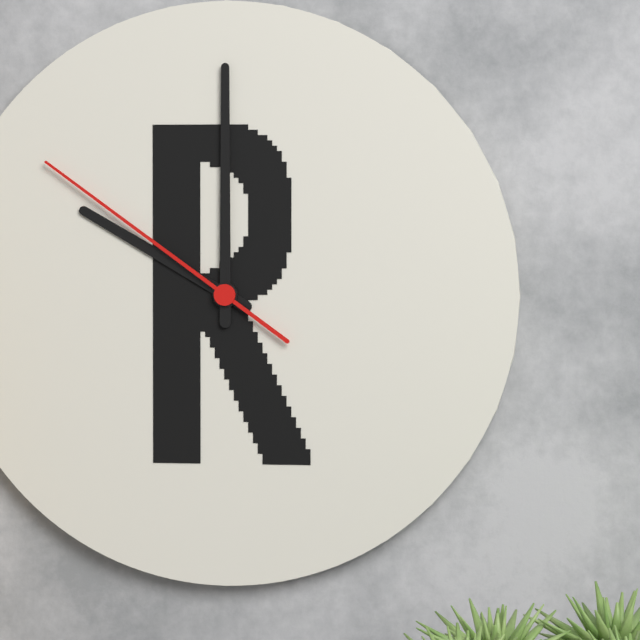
**10:00:51**
